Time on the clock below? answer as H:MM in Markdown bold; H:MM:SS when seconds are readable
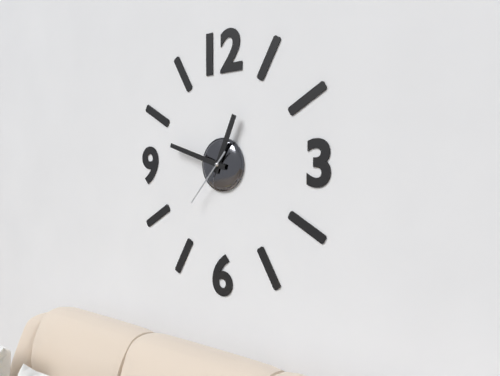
**12:48:37**
